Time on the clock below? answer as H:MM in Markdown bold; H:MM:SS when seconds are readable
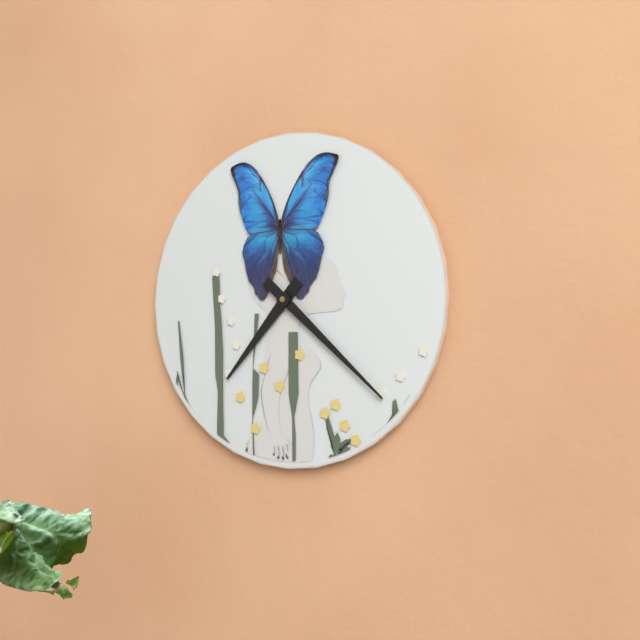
**7:22**
